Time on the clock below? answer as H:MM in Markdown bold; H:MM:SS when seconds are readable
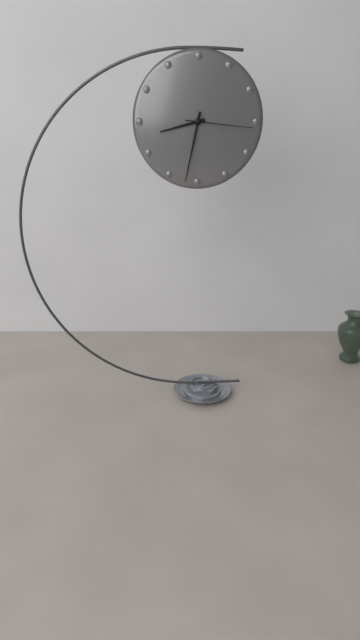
**8:32:16**
